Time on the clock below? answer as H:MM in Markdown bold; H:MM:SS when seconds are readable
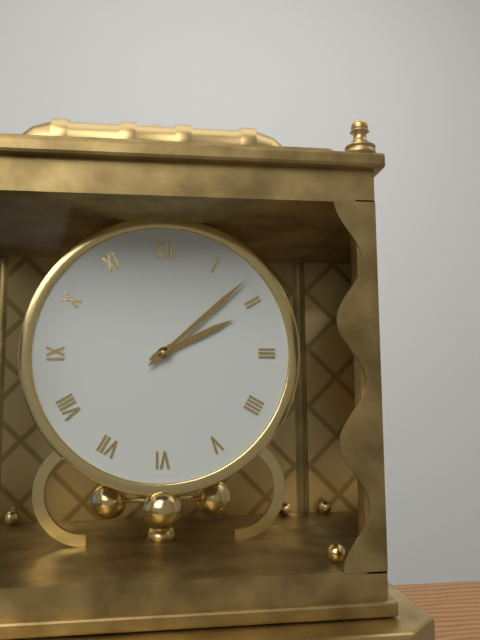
**2:08**
